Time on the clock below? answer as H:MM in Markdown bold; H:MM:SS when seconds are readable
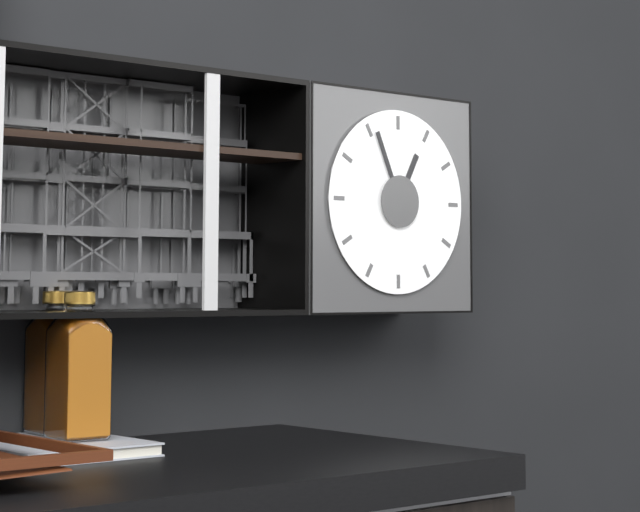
**12:56**
